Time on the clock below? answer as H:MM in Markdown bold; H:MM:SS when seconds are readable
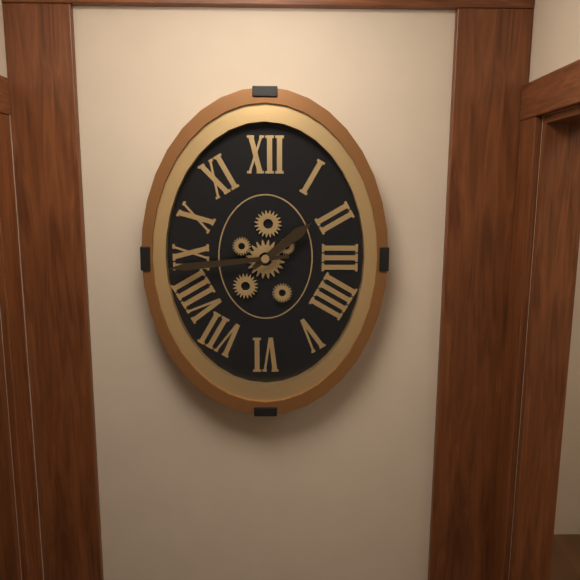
**1:44**
